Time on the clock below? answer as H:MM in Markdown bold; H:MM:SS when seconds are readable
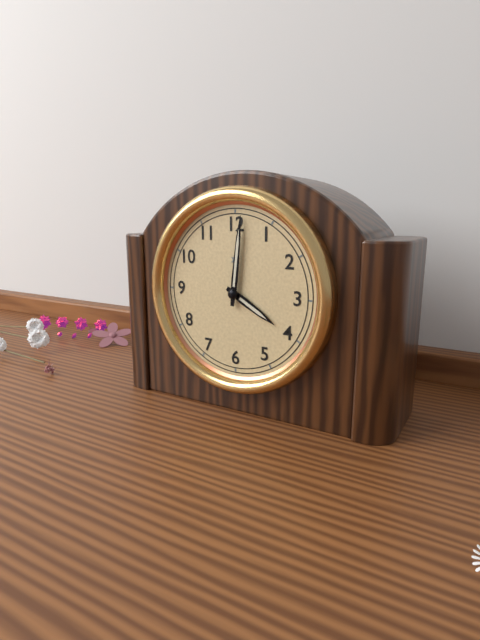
**4:01**
